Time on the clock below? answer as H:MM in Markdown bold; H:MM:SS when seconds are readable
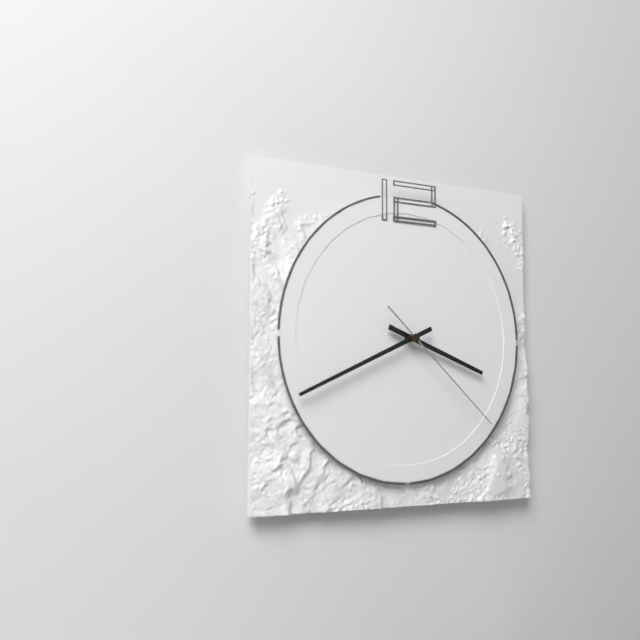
**3:41:22**
